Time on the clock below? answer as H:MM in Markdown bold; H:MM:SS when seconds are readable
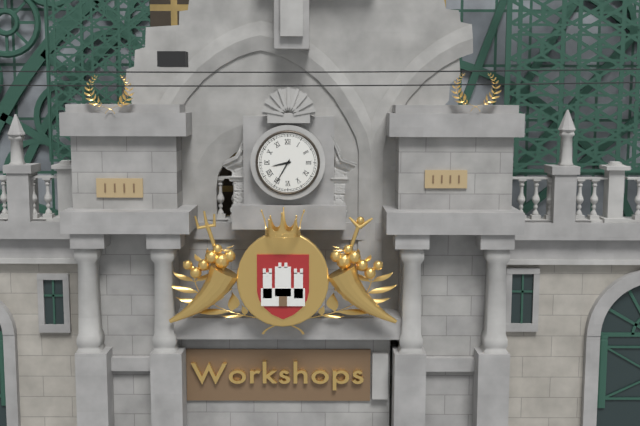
**8:35**
